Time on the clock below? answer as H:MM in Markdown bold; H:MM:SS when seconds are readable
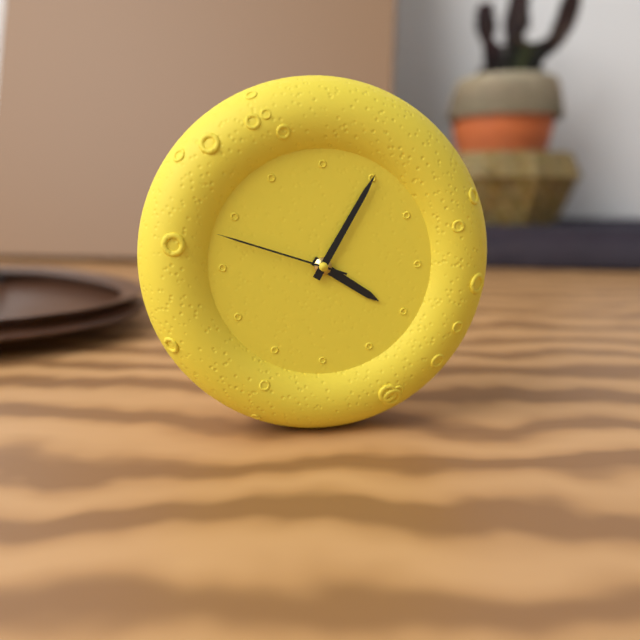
**4:05:48**
